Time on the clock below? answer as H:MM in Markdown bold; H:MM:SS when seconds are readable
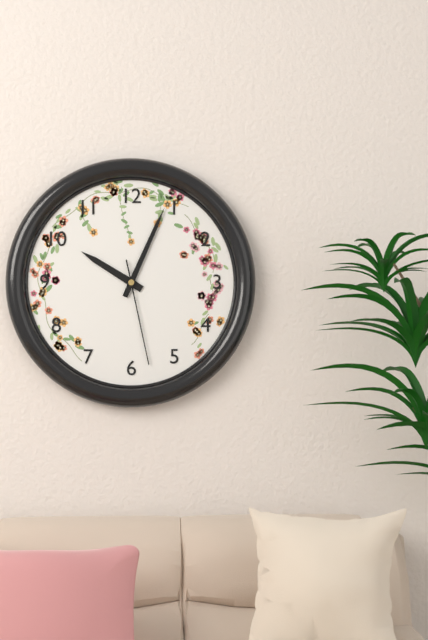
**10:04:28**
